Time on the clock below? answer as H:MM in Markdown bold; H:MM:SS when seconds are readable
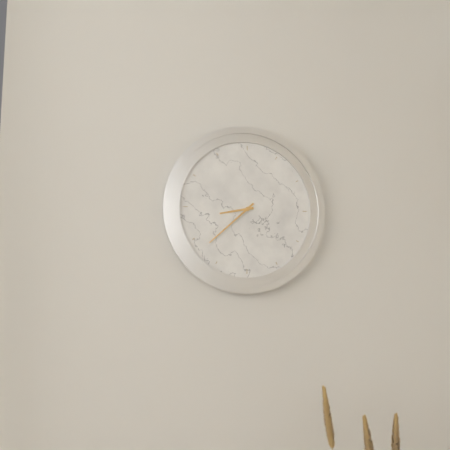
**8:38**
